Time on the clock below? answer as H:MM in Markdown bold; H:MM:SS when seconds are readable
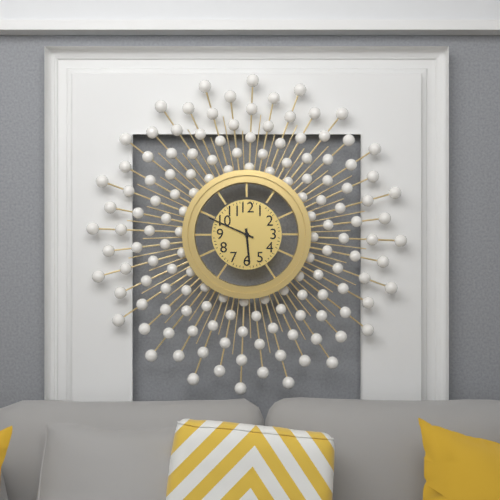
**5:49**
